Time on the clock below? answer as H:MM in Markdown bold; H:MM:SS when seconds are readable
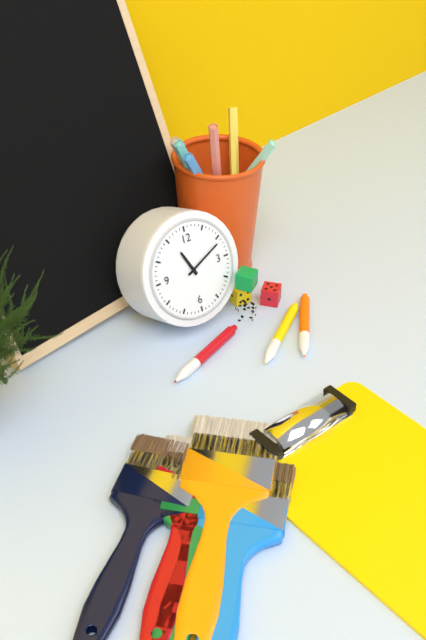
**11:11**
